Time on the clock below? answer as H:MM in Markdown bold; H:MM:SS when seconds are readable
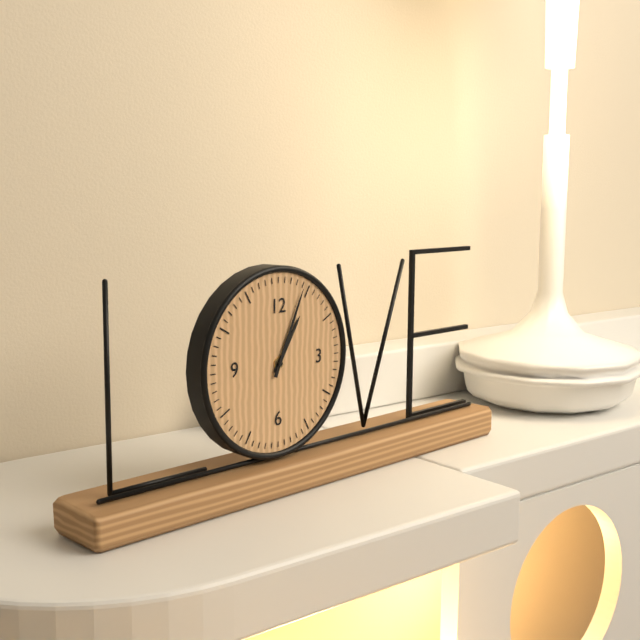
**1:04**
